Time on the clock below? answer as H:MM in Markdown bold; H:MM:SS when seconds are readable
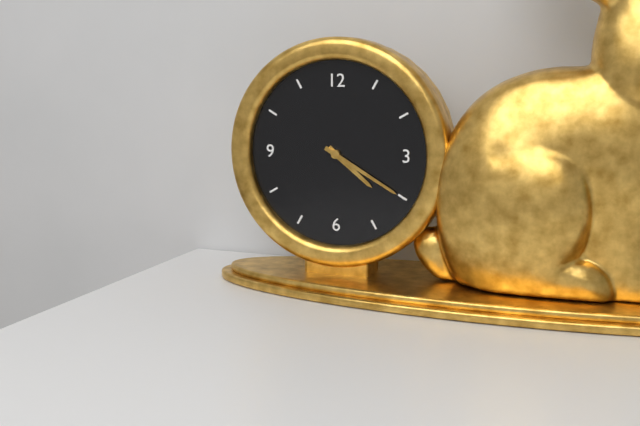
**4:20**
